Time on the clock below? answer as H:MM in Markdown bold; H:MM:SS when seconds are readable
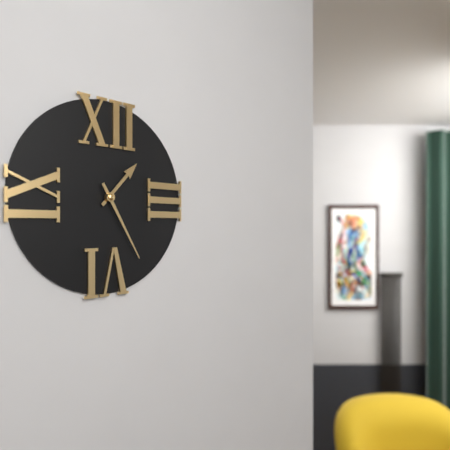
**1:25**
